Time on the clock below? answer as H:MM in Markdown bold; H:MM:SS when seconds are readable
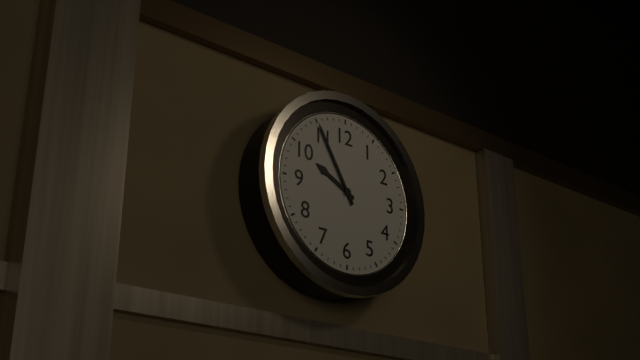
**9:55**
